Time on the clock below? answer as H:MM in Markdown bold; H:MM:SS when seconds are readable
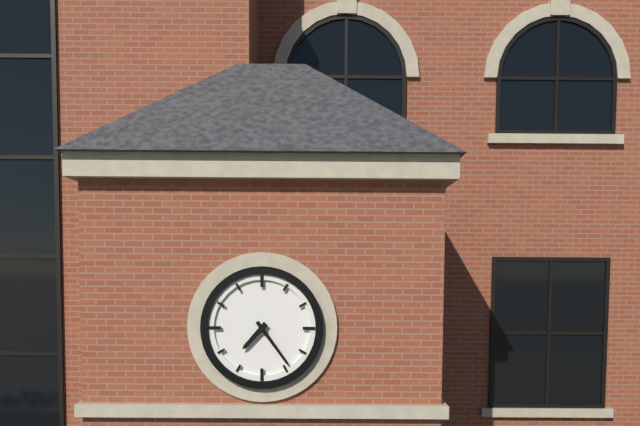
**7:24**
